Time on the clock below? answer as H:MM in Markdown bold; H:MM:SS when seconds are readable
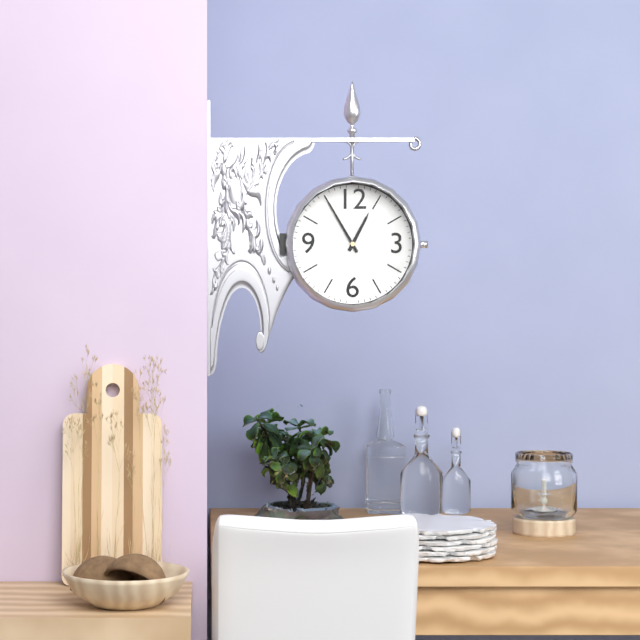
**12:55**
